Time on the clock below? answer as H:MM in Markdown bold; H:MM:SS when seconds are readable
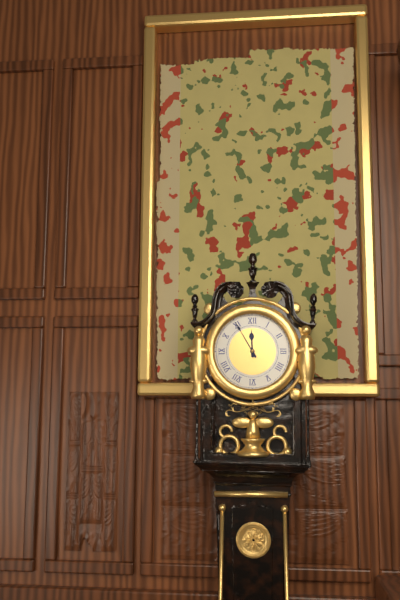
**11:55**
